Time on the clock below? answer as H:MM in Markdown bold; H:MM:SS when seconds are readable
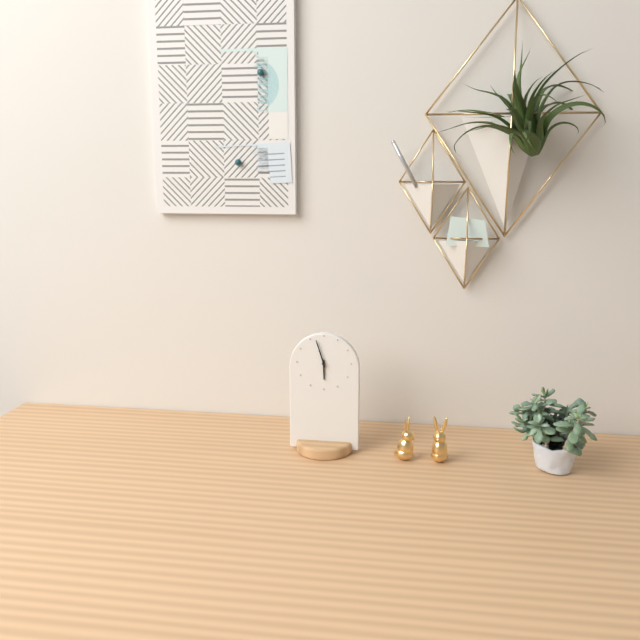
**5:57**
